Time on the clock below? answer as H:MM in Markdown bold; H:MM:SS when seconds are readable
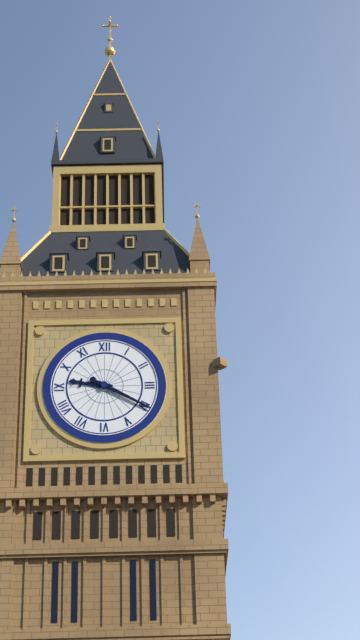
**9:20**
